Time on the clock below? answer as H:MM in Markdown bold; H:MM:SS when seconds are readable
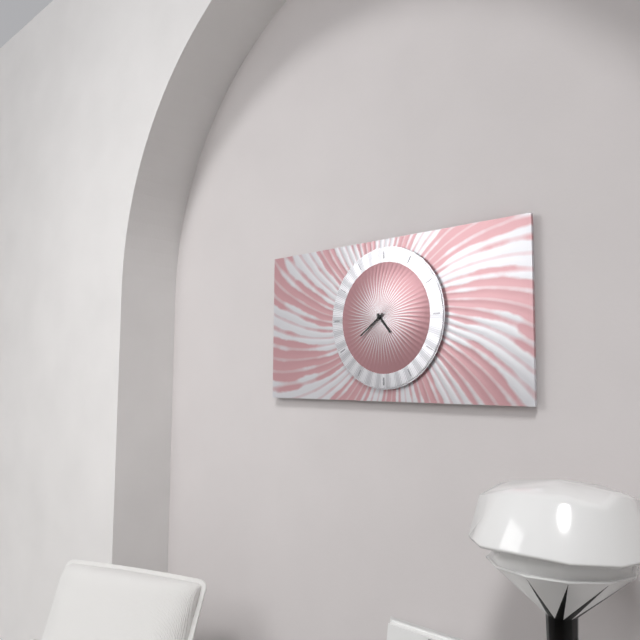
**4:39**
